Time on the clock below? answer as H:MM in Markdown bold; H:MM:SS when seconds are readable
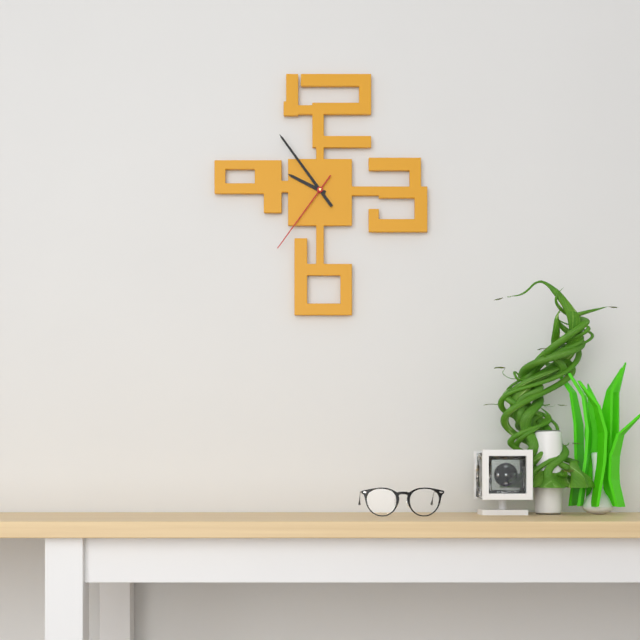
**9:54:36**
